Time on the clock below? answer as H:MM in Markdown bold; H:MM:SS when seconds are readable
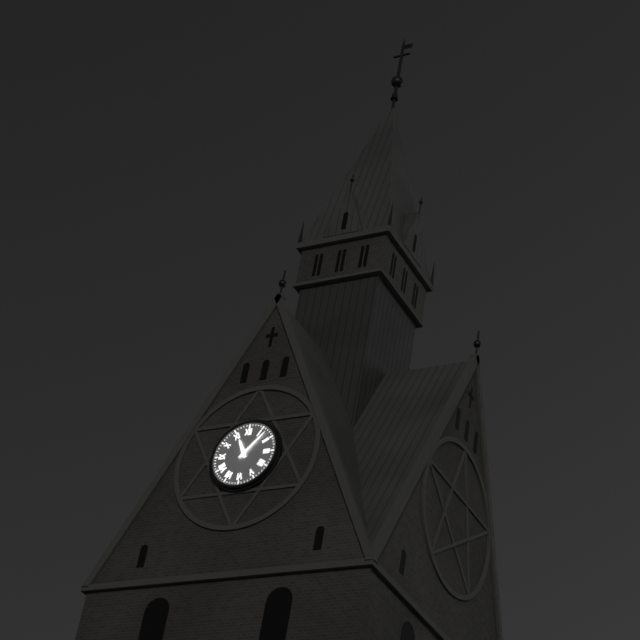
**11:07**
